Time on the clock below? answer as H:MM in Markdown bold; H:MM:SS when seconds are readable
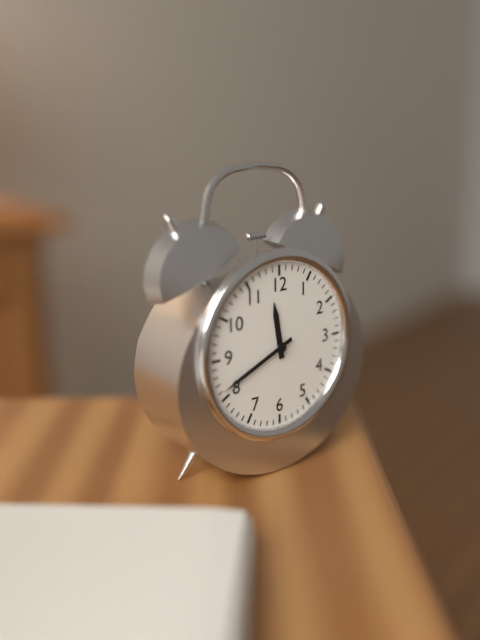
**11:41**
